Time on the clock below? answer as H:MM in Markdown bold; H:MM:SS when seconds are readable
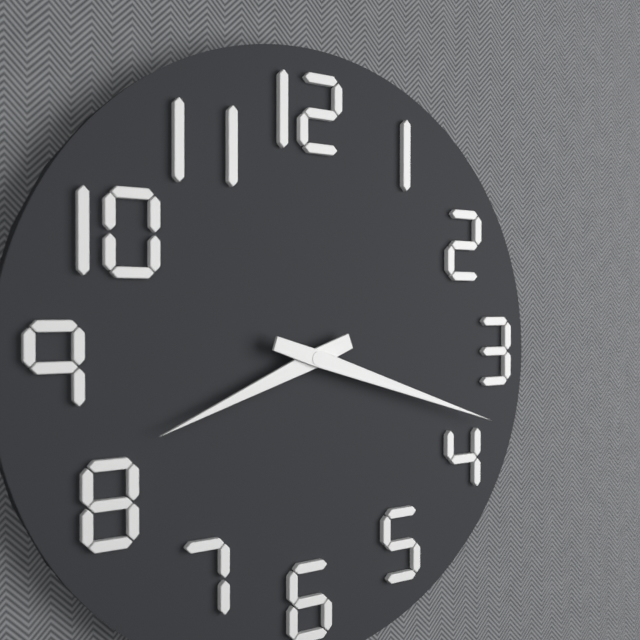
**8:18**
